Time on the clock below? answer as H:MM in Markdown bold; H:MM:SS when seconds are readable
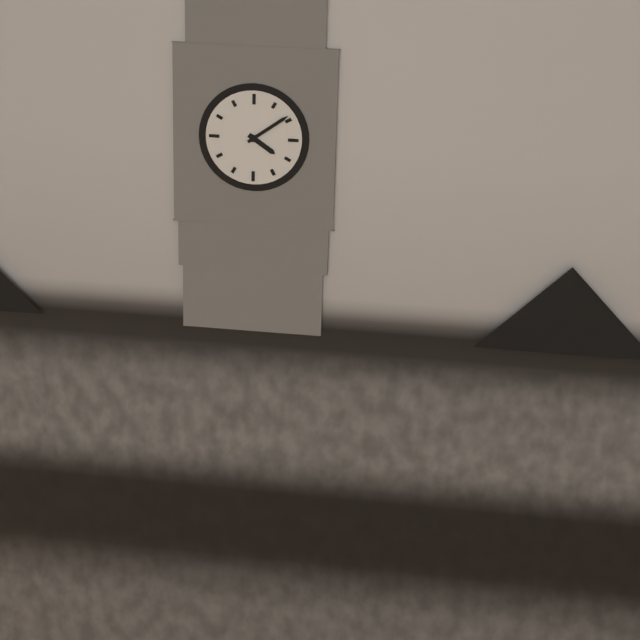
**4:09**
